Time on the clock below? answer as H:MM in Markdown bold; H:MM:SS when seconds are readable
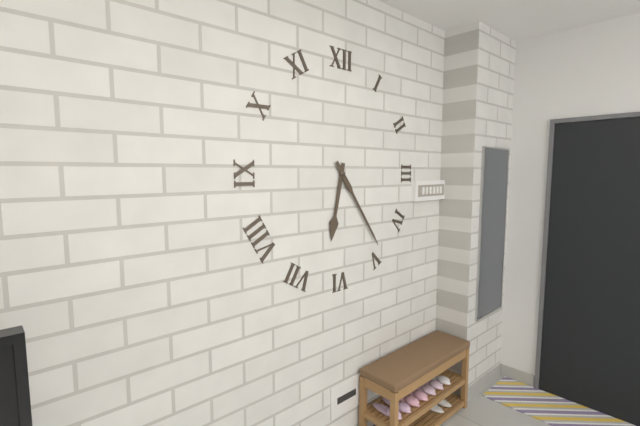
**6:24**
